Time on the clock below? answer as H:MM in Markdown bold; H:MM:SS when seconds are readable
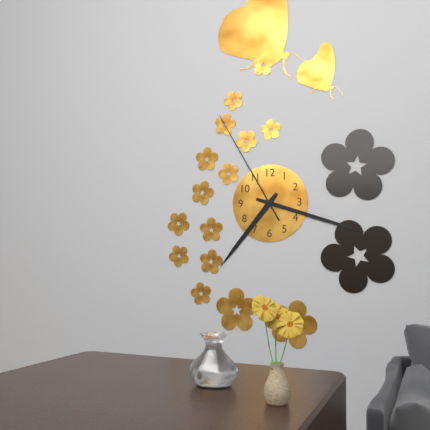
**7:18:55**
